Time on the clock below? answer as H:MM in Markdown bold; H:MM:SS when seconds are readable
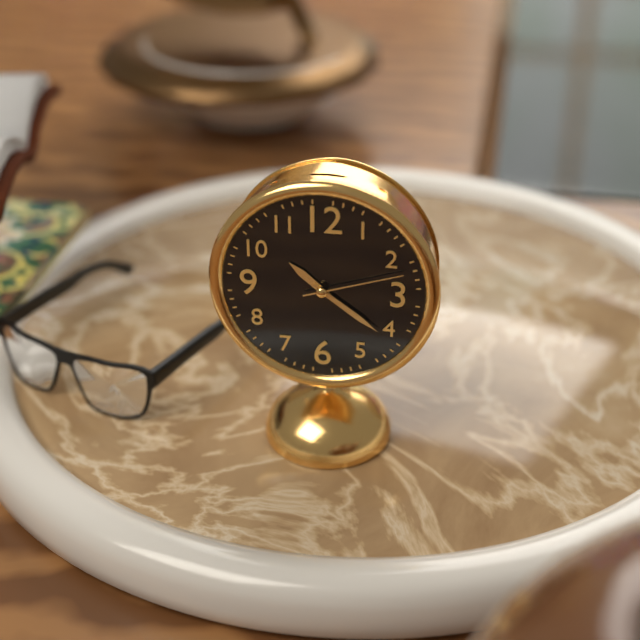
**10:21:12**
